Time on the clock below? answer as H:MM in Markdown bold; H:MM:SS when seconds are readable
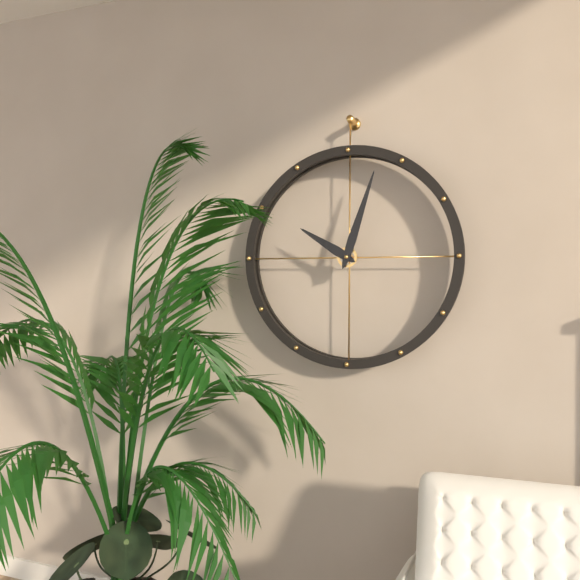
**10:03**
